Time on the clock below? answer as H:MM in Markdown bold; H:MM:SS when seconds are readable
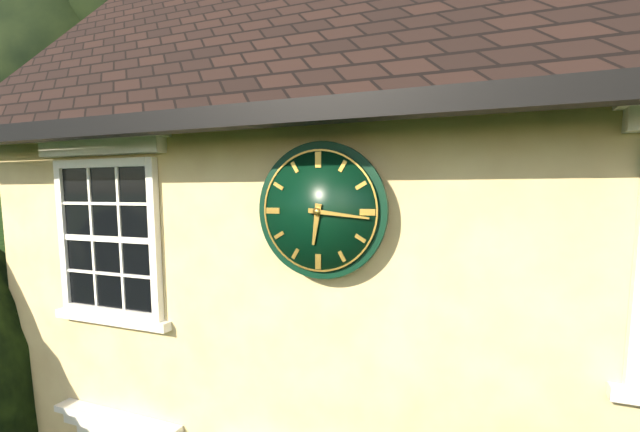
**6:16**
